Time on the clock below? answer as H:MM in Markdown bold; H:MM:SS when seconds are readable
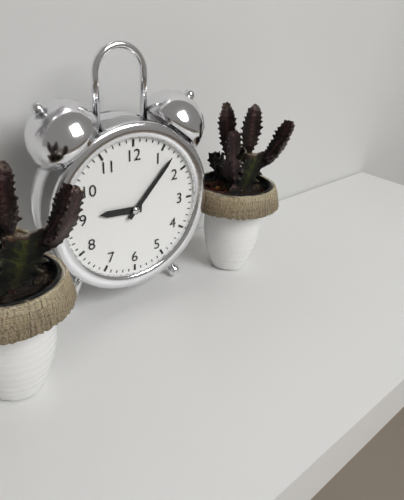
**9:07**
